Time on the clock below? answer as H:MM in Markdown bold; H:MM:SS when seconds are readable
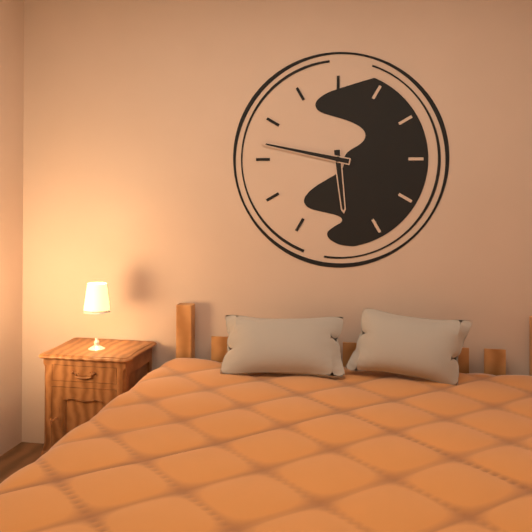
**5:47**
